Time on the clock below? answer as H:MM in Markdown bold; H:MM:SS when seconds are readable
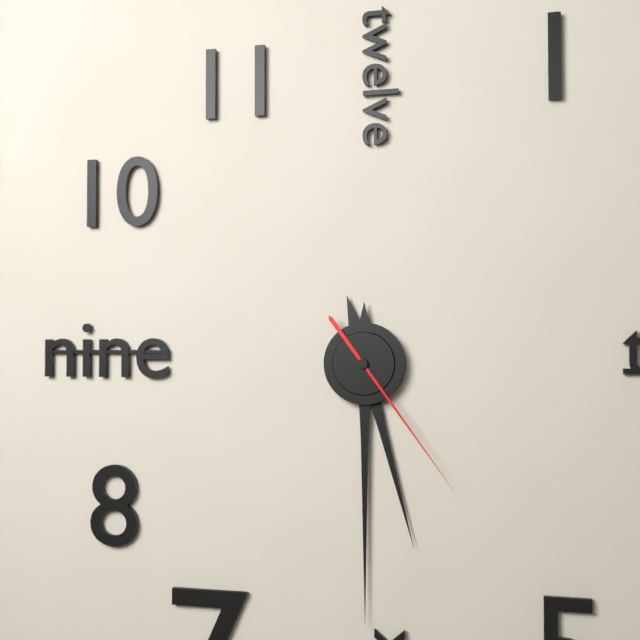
**5:30:24**
